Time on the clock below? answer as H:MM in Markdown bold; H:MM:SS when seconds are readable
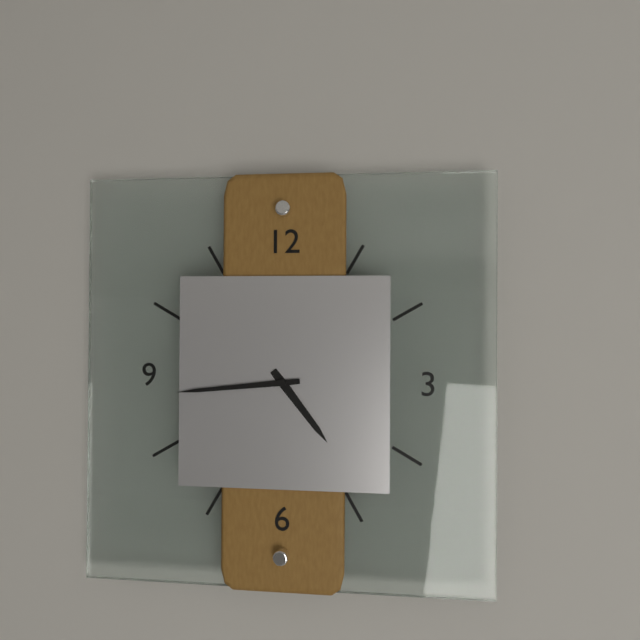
**4:44**
